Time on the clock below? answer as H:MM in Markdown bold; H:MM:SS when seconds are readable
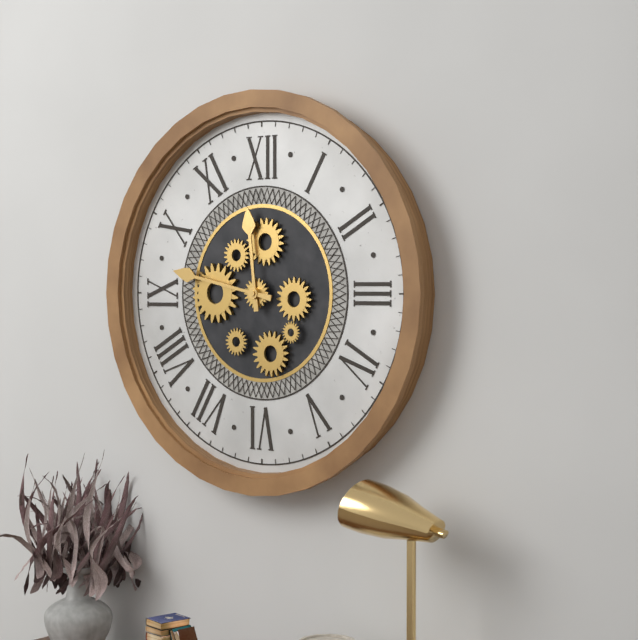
**11:47**
